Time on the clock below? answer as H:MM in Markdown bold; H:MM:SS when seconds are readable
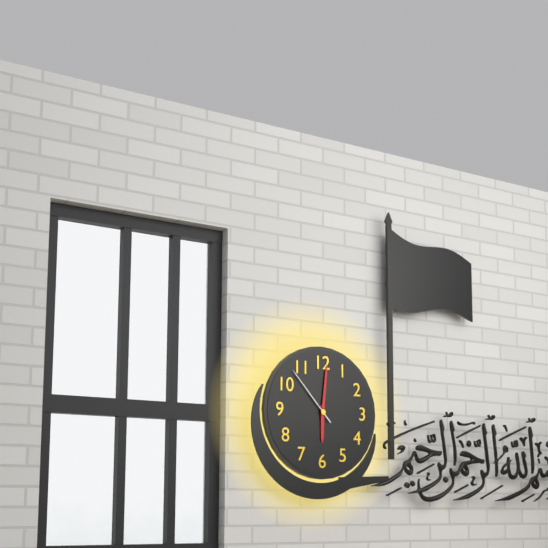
**6:01:53**
